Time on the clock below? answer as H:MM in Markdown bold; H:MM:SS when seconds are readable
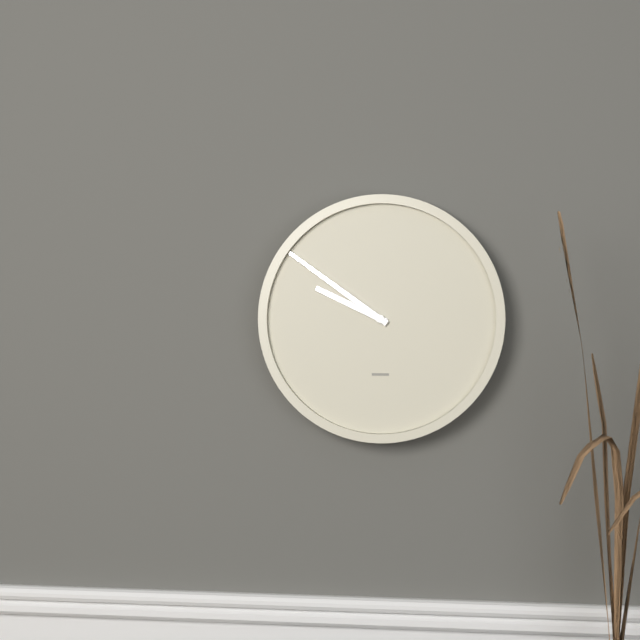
**9:51**
